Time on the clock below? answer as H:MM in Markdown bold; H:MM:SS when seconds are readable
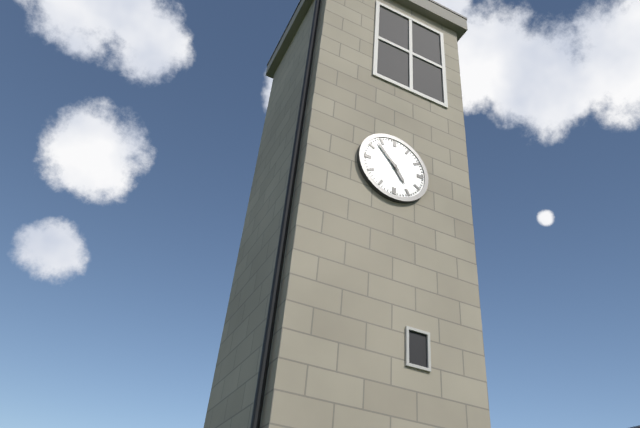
**4:53**
